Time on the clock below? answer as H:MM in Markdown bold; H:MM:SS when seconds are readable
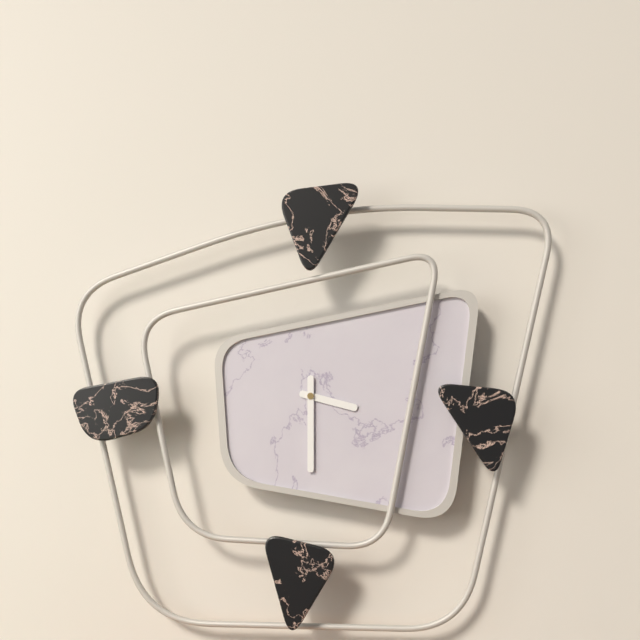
**3:30**
